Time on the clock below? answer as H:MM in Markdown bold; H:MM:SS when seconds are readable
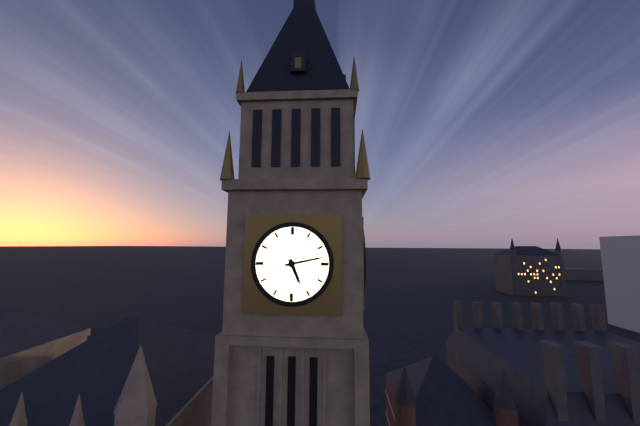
**5:13**
